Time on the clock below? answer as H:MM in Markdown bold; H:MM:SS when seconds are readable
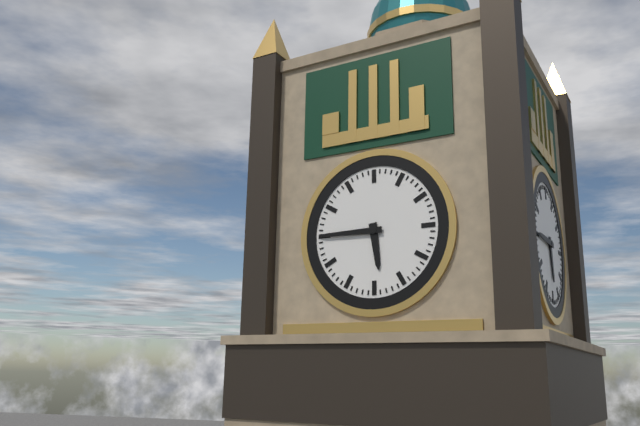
**5:45**
